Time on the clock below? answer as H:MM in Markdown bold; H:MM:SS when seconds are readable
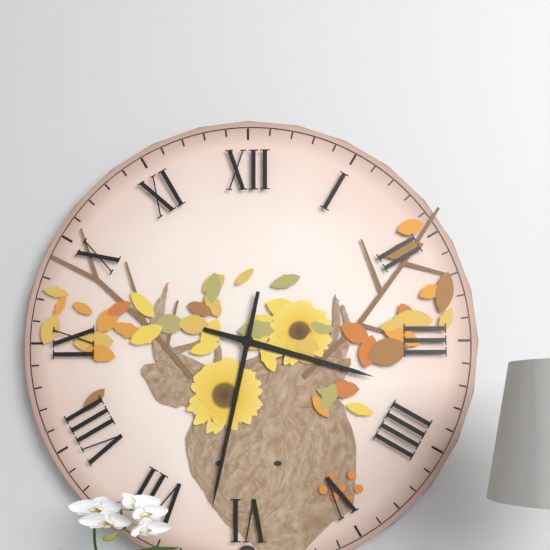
**3:32**
